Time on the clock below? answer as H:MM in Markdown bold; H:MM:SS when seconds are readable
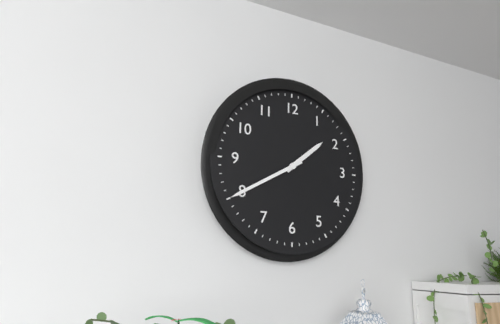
**1:40**
